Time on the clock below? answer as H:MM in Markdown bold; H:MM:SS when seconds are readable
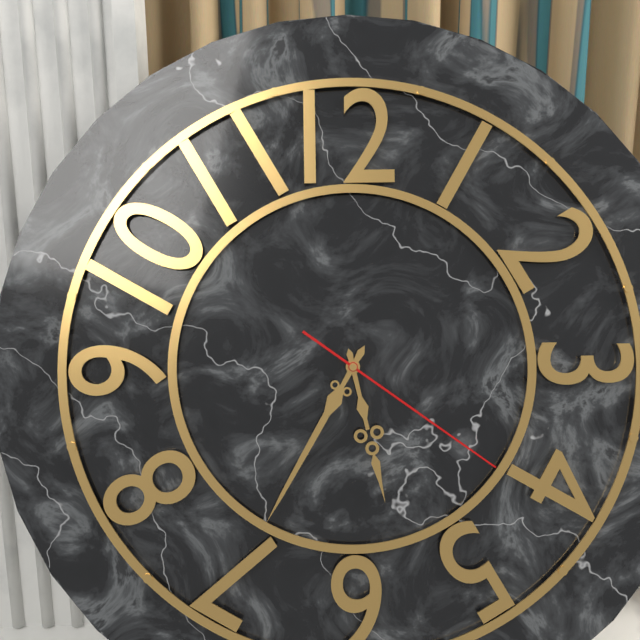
**5:35:21**
